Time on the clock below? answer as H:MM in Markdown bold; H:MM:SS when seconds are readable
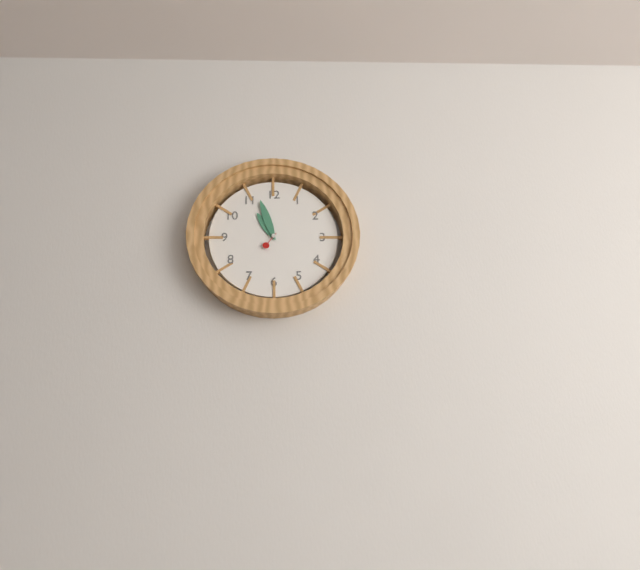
**10:57**
